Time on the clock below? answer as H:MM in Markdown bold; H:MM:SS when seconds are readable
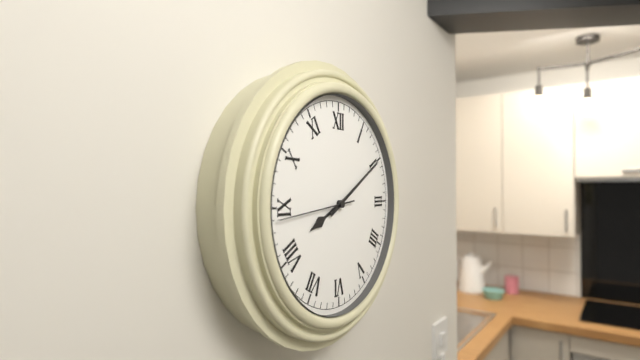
**8:10:44**
